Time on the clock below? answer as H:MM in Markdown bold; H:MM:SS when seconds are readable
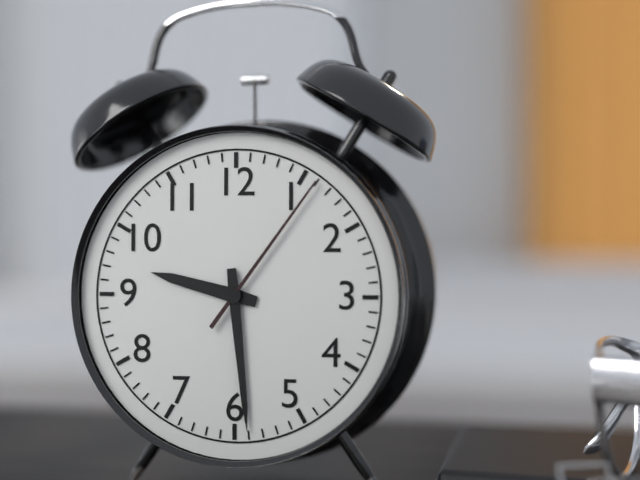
**9:29:06**
